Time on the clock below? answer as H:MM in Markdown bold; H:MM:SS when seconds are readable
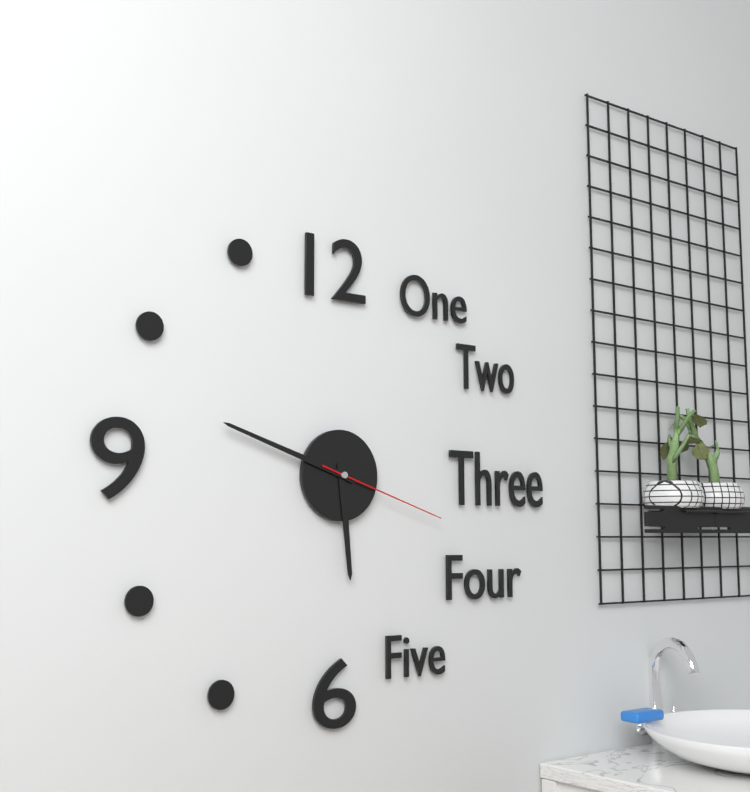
**5:48:18**
